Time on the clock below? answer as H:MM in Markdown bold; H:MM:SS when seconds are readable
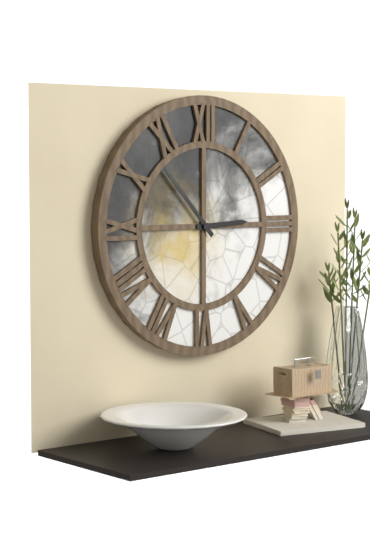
**2:53**
